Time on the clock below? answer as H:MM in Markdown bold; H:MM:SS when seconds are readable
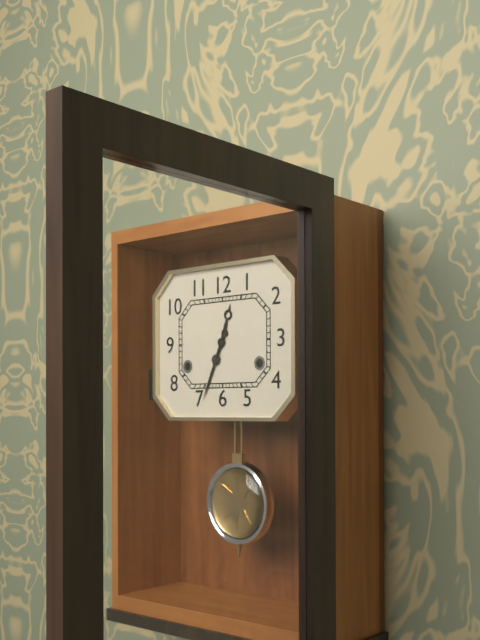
**12:34**
